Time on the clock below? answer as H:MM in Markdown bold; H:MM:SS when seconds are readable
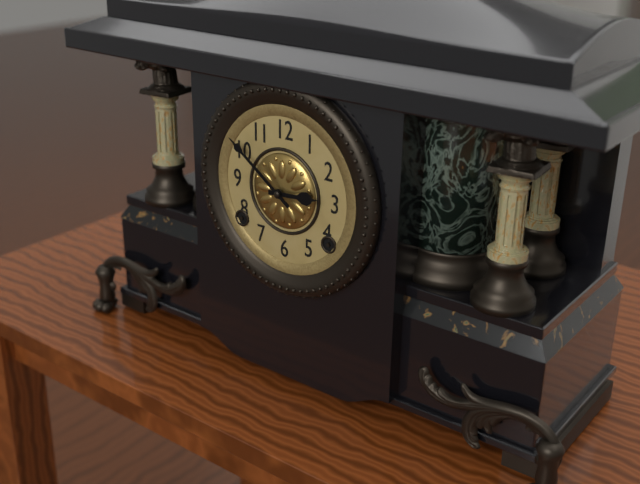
**2:51**
